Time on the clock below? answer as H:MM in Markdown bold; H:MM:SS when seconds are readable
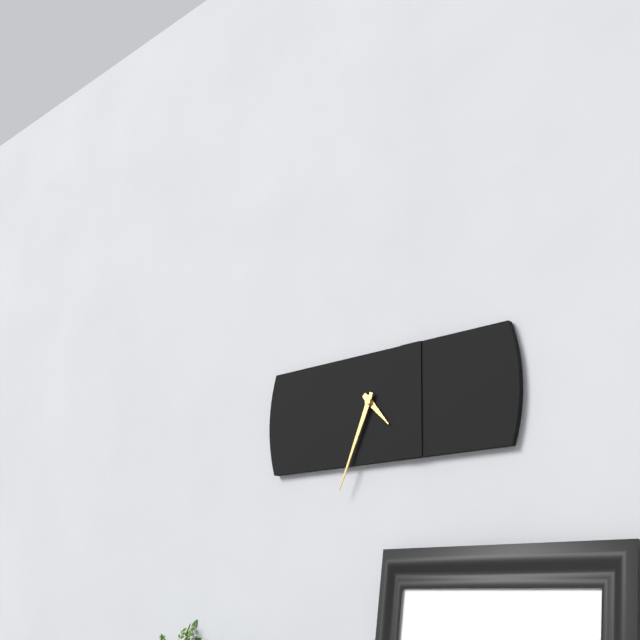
**4:34**
